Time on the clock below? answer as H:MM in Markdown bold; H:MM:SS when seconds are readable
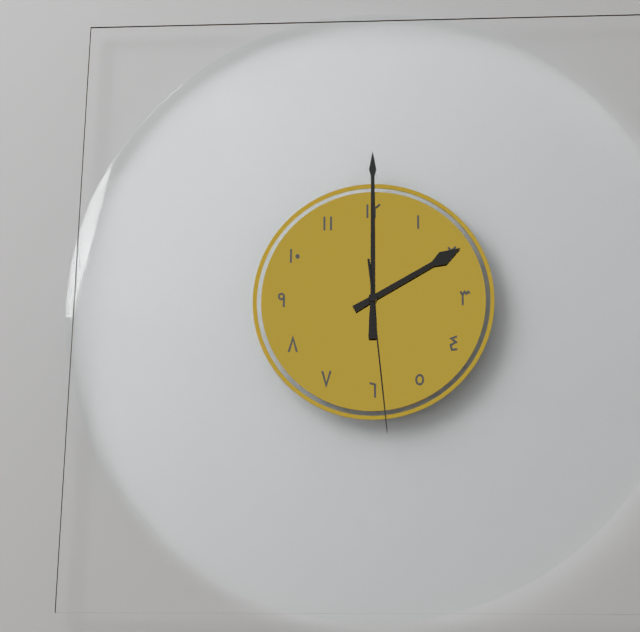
**2:00:29**
